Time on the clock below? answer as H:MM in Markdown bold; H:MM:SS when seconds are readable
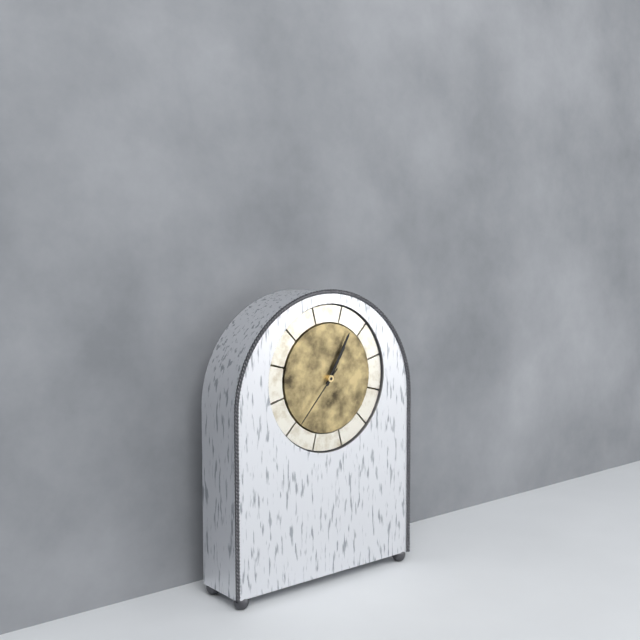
**1:05:37**
